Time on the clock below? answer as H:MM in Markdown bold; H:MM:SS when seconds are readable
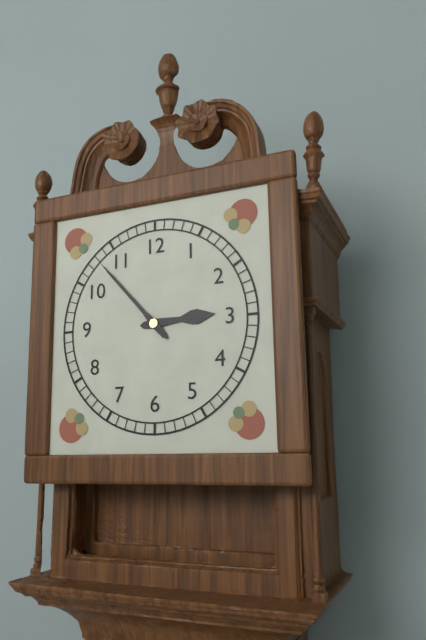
**2:53**
